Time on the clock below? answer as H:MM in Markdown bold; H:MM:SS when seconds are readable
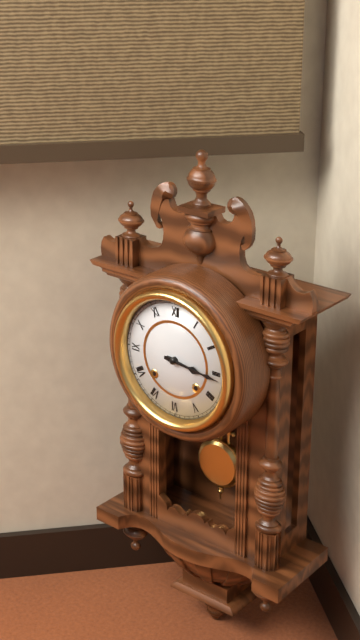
**3:16**
